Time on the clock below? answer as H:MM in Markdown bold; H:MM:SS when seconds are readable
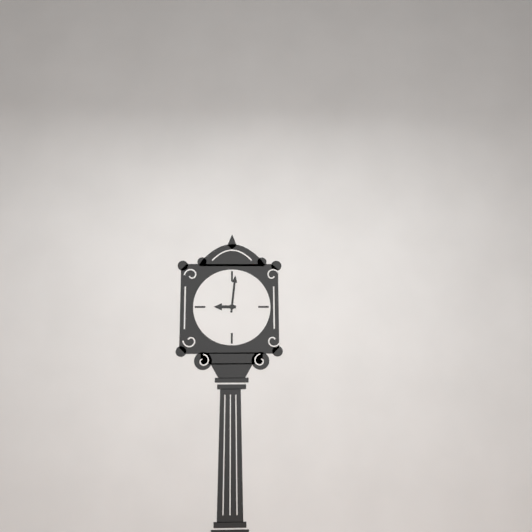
**9:01**
